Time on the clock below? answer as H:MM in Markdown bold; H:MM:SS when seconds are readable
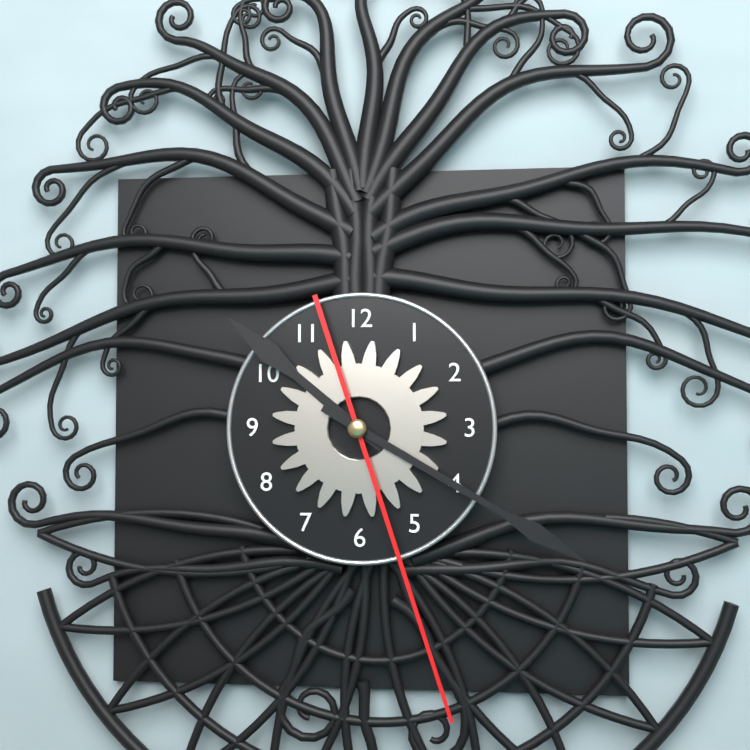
**10:20:27**
